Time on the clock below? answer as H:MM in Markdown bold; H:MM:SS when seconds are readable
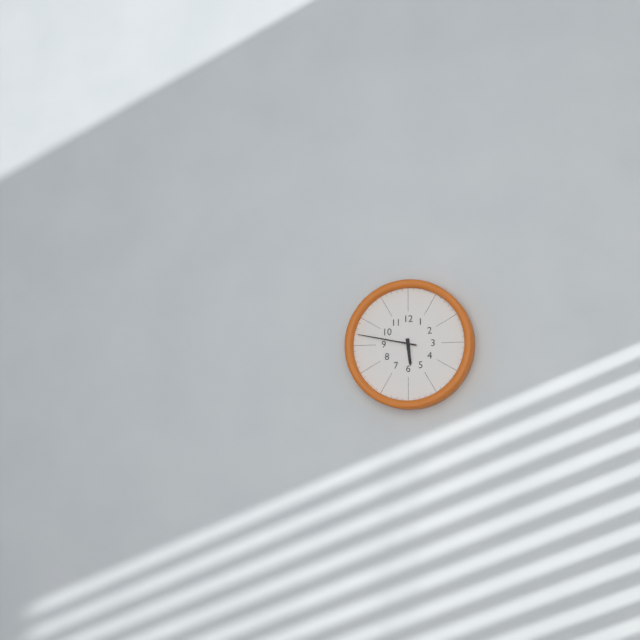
**5:47**
